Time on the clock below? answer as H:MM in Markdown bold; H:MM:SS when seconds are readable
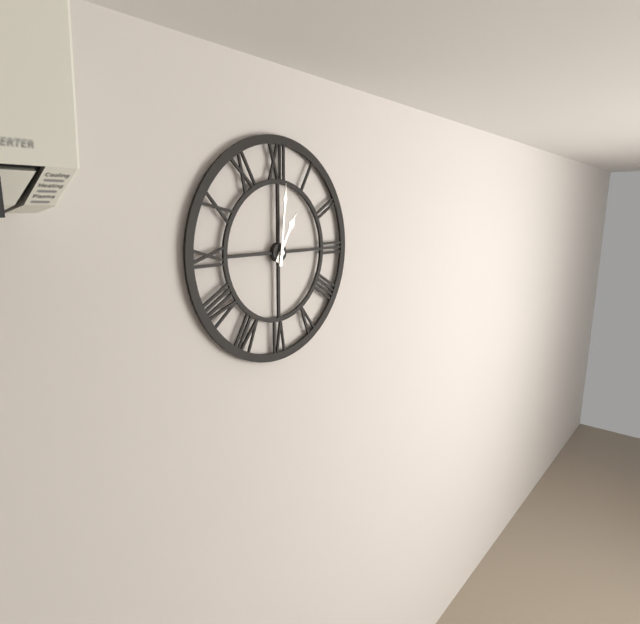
**1:01**
